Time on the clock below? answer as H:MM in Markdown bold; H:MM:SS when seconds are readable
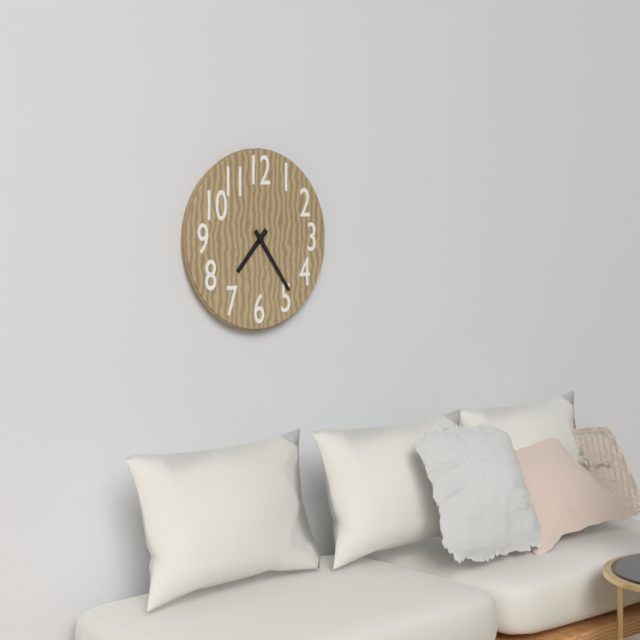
**7:24**
